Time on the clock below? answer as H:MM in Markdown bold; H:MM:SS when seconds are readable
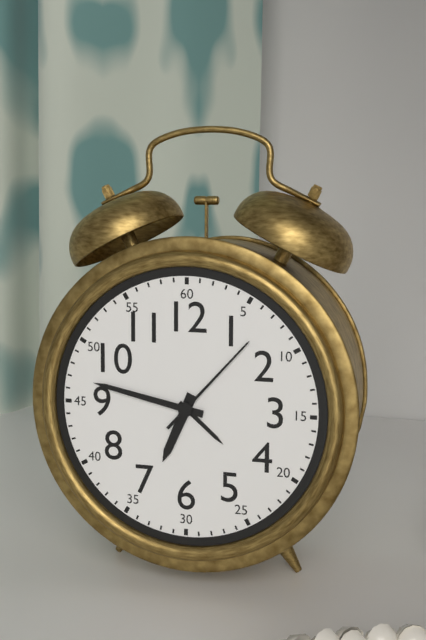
**6:47:07**
